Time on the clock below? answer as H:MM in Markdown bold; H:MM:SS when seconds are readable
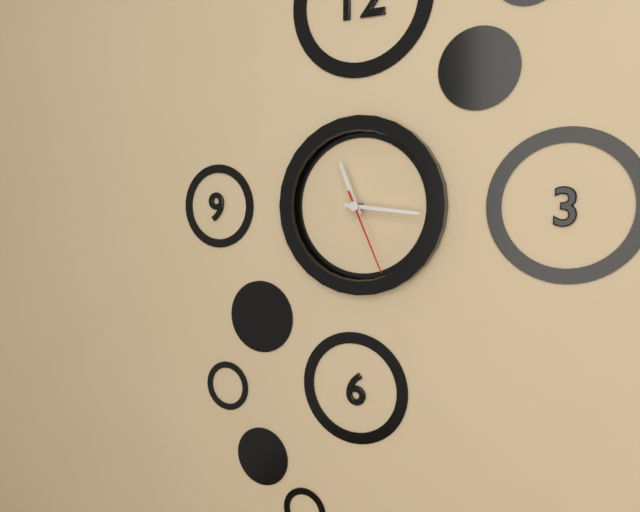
**11:16:26**
